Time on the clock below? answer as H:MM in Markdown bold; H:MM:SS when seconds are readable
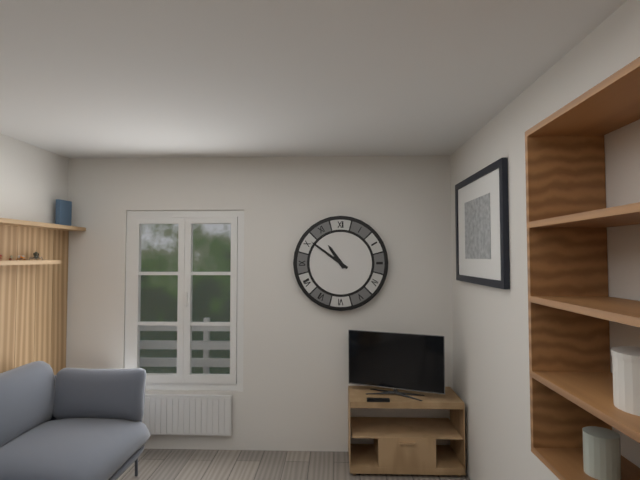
**10:51**
